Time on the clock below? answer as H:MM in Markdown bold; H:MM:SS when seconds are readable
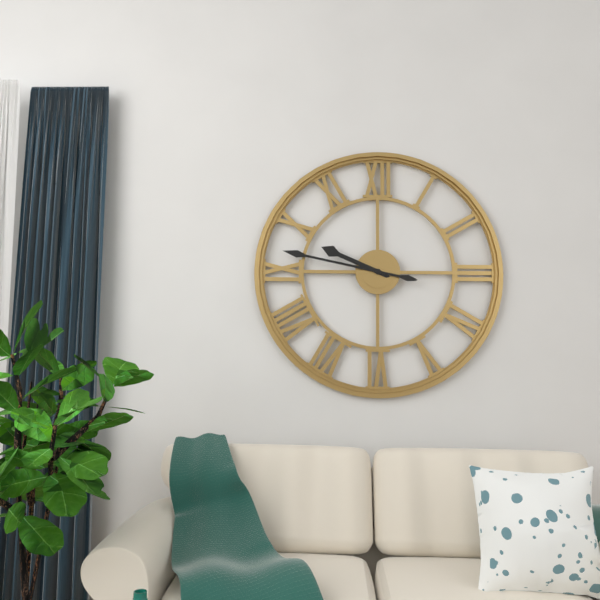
**9:47**
